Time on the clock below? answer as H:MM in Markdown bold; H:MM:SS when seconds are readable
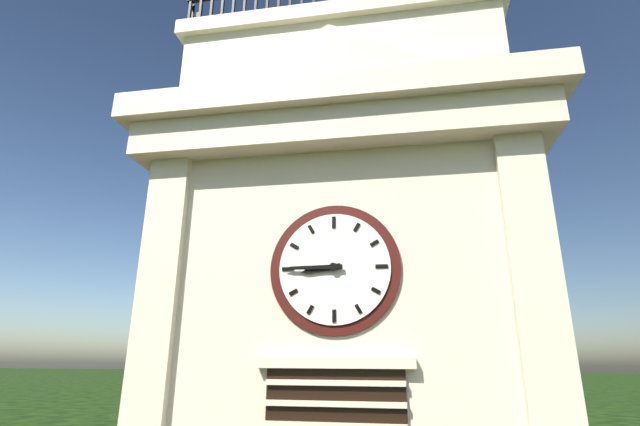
**8:45**
